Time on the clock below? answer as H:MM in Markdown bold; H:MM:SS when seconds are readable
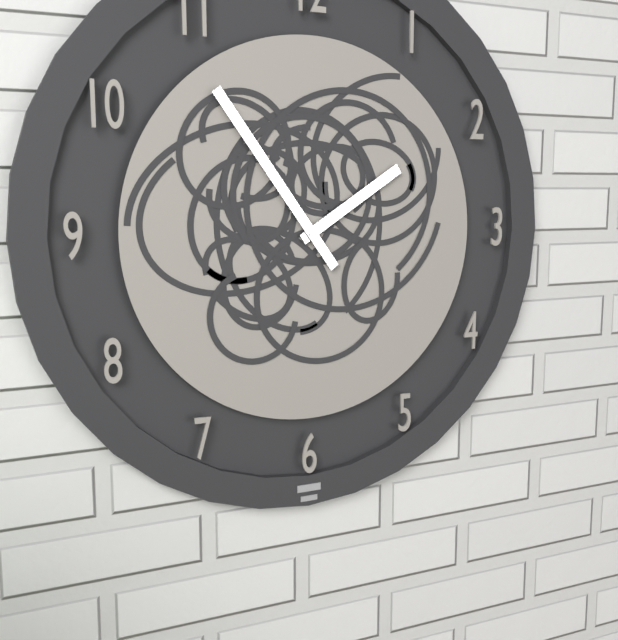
**1:54**
